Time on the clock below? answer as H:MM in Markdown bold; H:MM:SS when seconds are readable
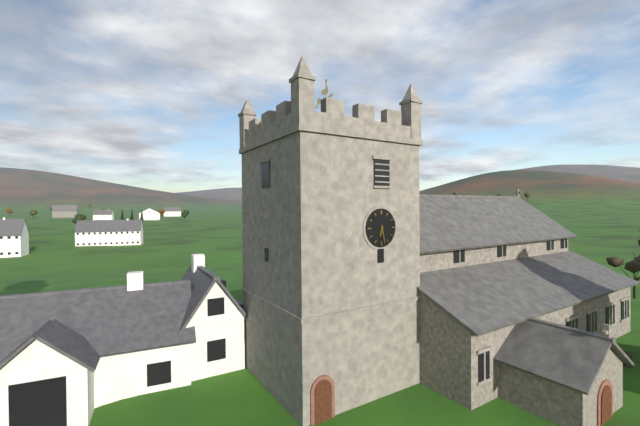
**6:28**
